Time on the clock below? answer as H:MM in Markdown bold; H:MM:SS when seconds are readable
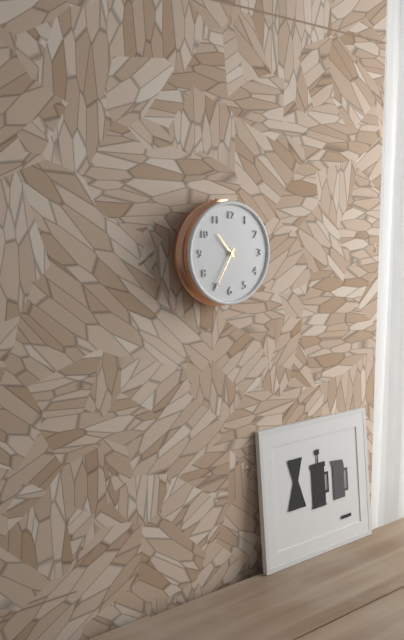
**10:35**
